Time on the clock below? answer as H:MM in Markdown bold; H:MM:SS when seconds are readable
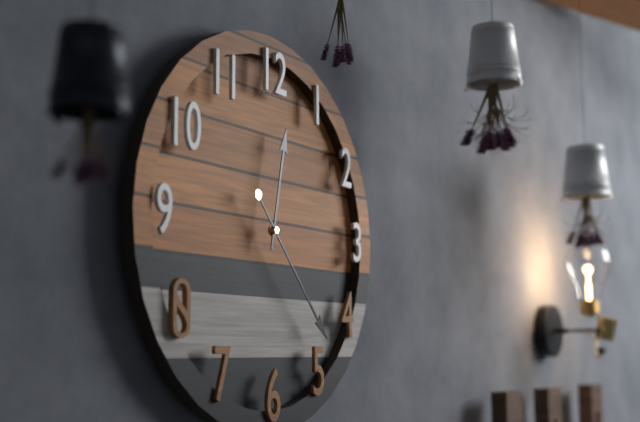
**12:23**
